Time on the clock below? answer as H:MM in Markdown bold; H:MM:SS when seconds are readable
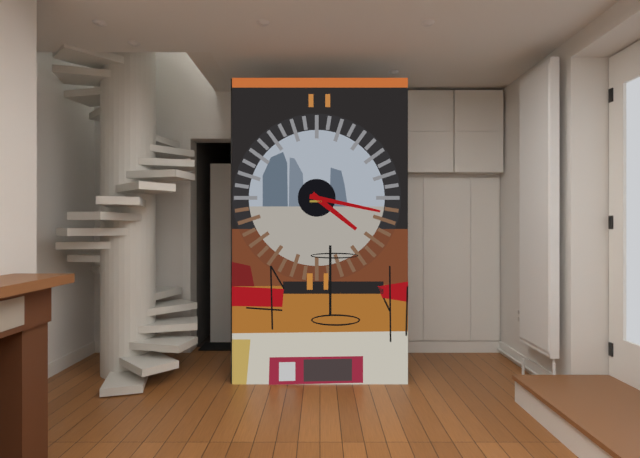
**4:17**
